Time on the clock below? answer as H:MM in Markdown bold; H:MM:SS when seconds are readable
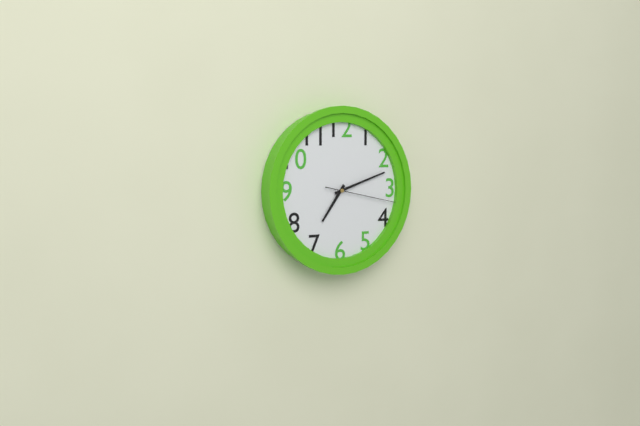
**7:12:17**
